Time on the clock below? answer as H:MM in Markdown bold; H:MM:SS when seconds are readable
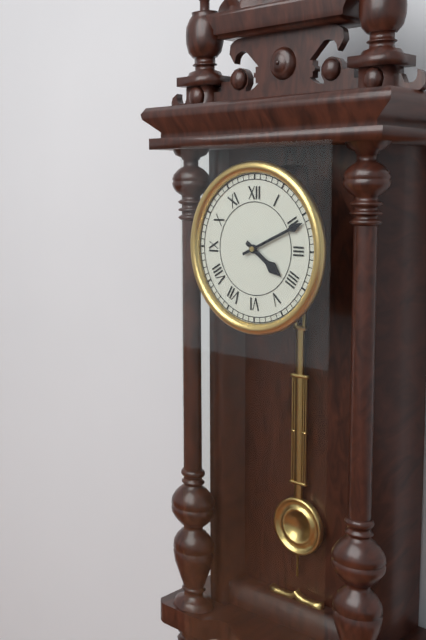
**4:11**
